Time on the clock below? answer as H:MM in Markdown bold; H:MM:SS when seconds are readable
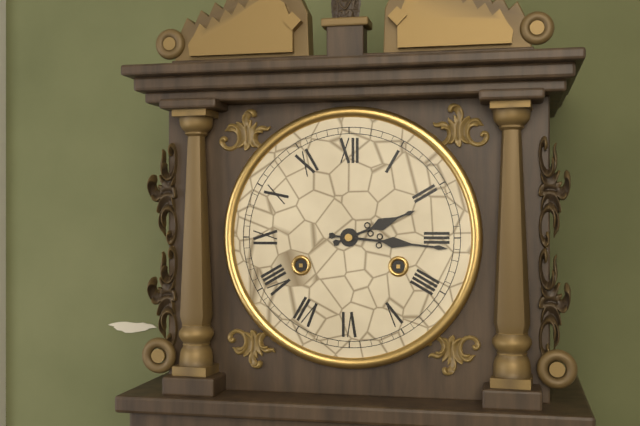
**2:16**
